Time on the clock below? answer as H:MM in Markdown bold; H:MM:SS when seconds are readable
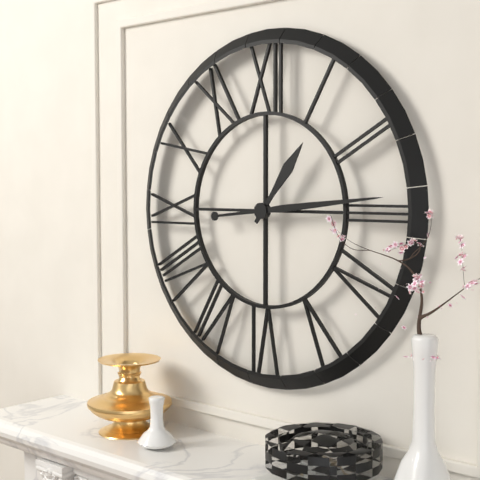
**1:14**
